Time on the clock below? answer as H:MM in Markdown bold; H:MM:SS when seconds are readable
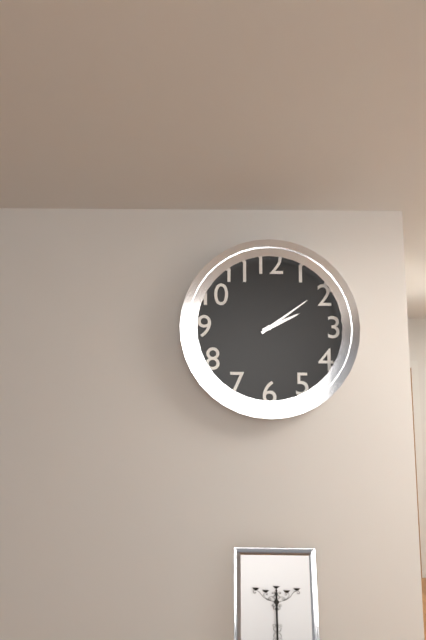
**2:09**
